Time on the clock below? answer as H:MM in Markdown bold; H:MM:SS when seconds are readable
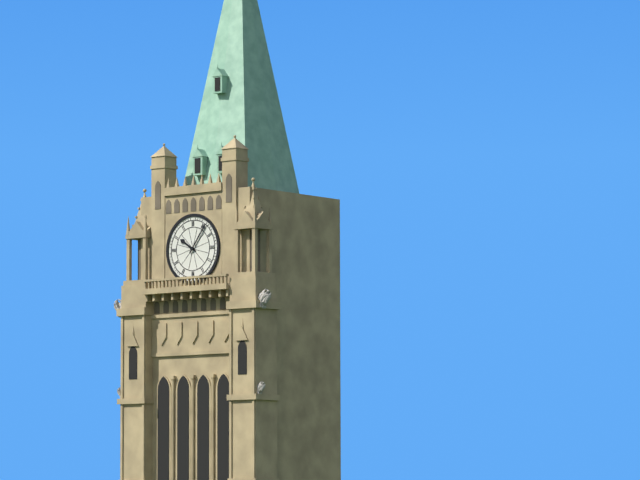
**10:06**
